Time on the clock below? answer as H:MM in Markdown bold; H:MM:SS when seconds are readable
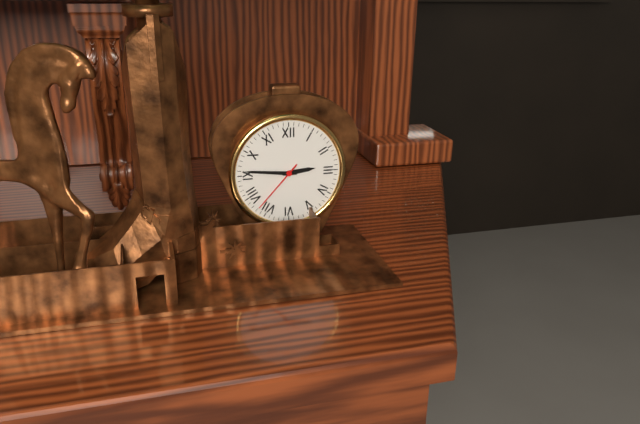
**2:46:37**
